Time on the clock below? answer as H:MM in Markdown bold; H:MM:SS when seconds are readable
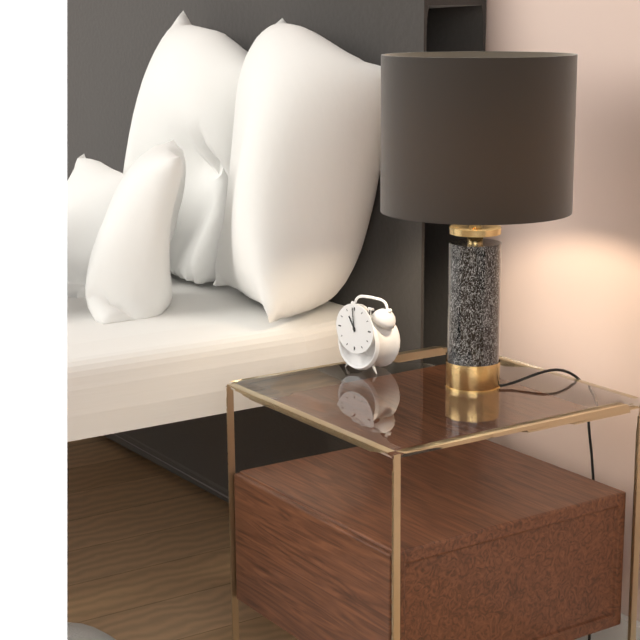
**10:59**
